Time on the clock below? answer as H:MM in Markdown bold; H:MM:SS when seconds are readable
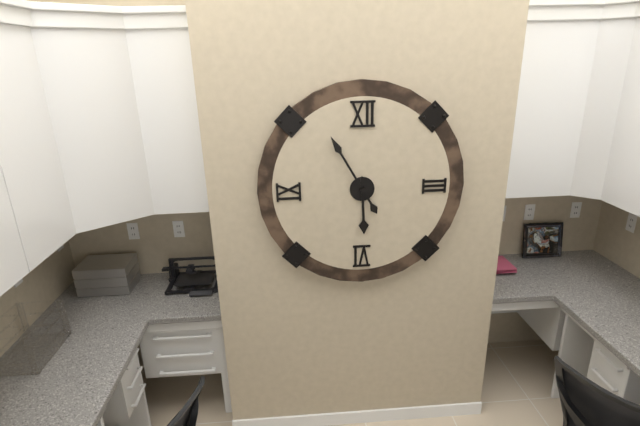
**5:55**
